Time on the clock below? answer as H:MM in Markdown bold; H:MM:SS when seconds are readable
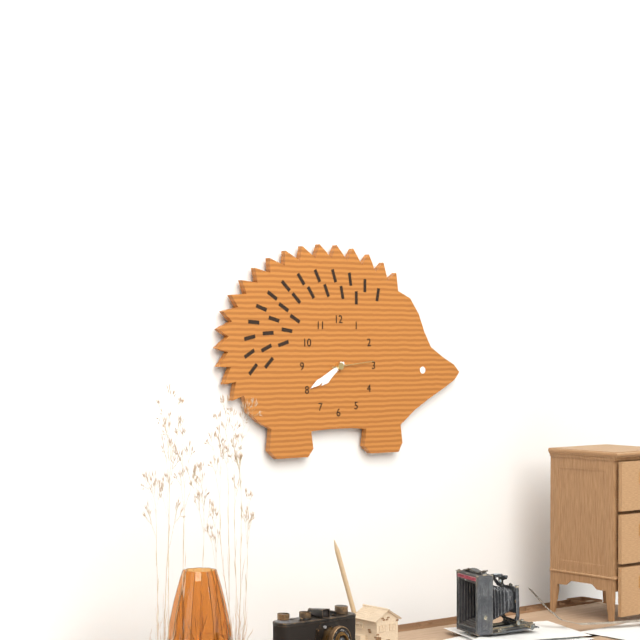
**7:40**
